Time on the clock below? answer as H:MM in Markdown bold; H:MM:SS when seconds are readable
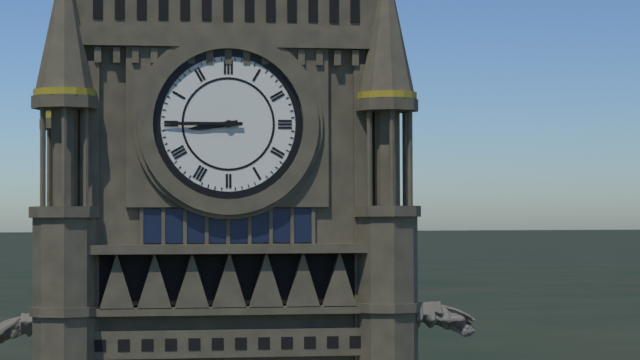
**8:45**
